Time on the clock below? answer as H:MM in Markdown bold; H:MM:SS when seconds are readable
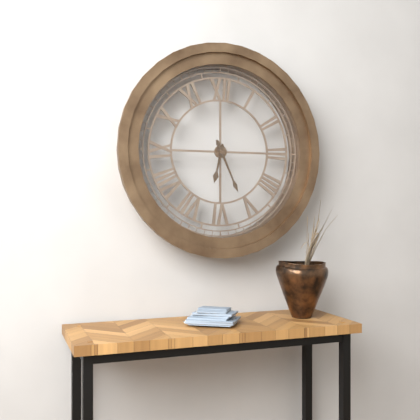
**6:26**
